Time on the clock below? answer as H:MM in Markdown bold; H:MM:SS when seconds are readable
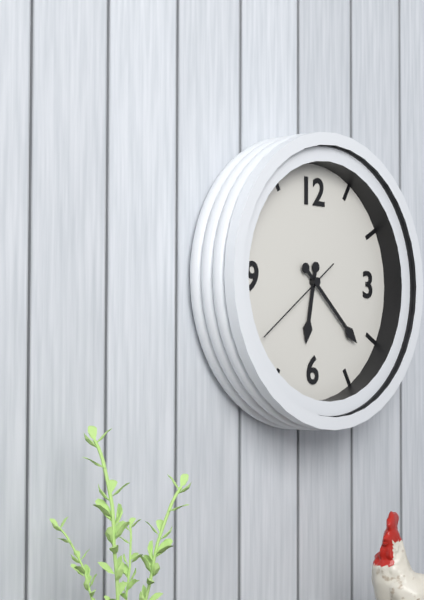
**6:22:39**
